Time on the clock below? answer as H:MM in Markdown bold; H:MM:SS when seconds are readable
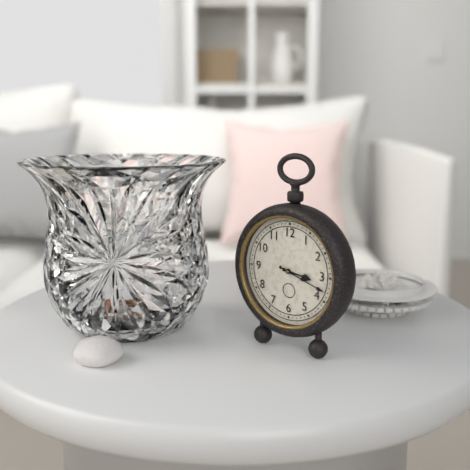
**3:18**
